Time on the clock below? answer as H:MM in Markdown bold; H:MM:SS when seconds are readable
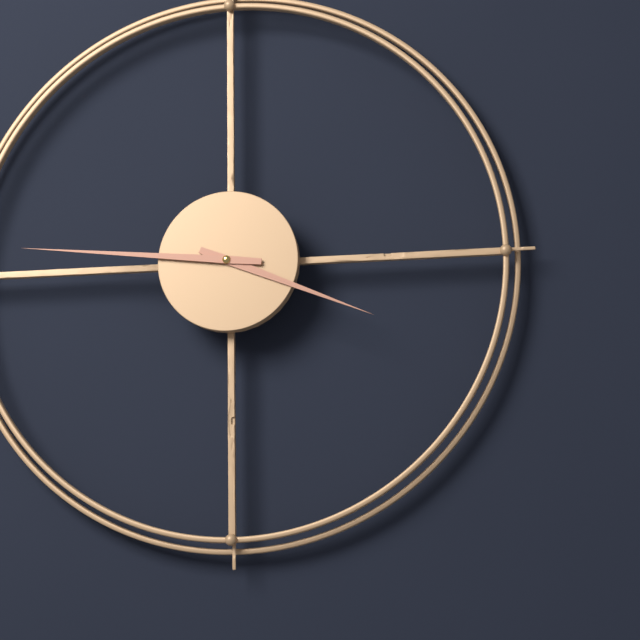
**3:46**
